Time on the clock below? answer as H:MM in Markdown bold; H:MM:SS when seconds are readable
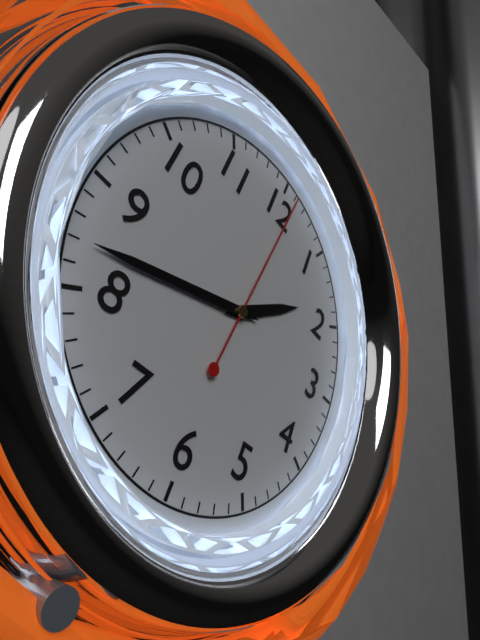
**1:42:01**
